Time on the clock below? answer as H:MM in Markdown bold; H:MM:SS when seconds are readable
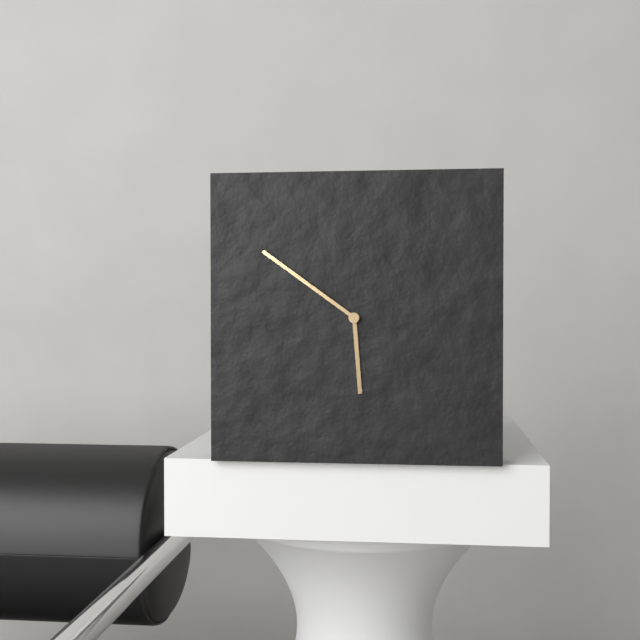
**5:51**
